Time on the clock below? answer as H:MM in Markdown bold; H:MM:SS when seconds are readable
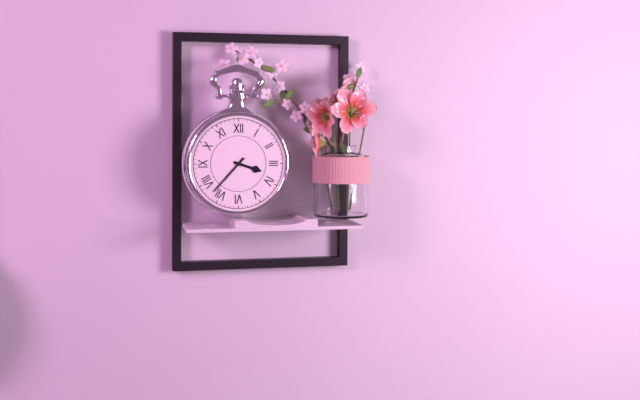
**3:37**
